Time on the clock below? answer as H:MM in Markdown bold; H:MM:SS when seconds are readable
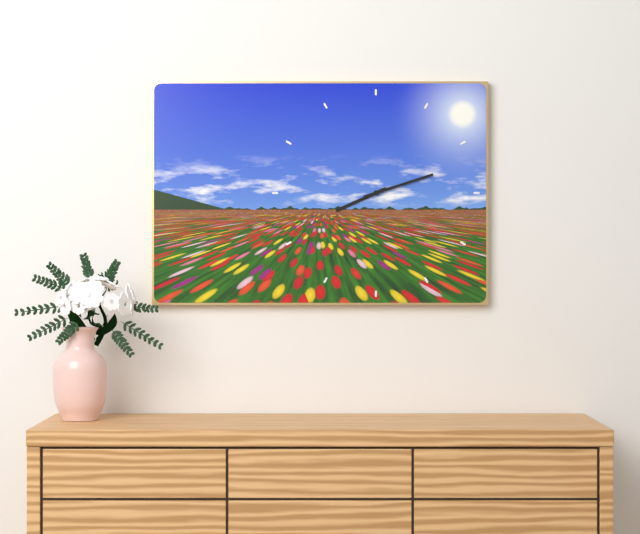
**8:12**
